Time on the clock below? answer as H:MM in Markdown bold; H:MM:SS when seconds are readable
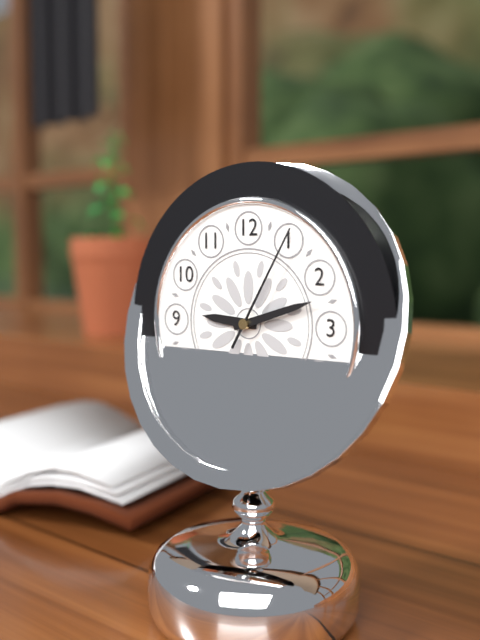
**9:12:05**
